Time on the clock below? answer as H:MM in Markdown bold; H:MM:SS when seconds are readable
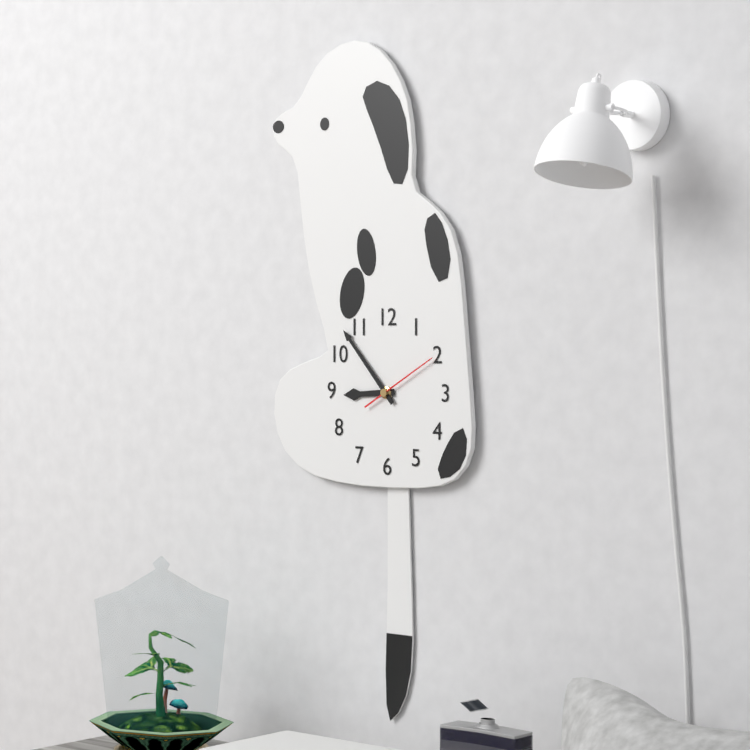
**8:53:10**
